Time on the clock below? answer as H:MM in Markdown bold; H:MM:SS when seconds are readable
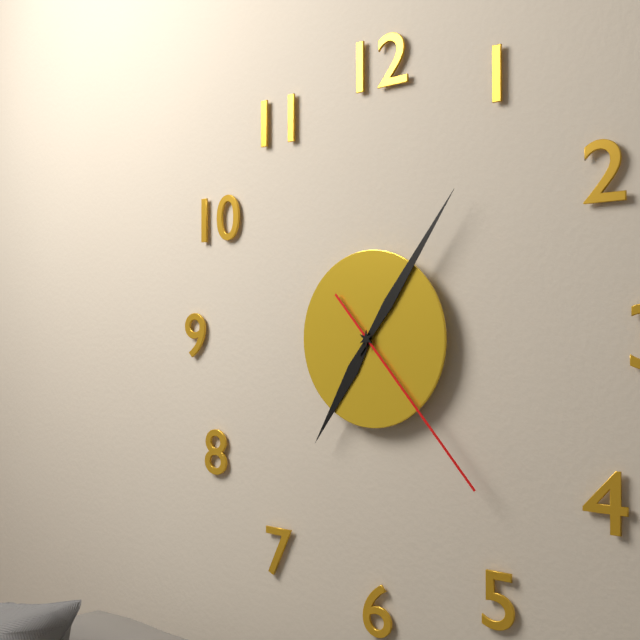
**7:06:23**
